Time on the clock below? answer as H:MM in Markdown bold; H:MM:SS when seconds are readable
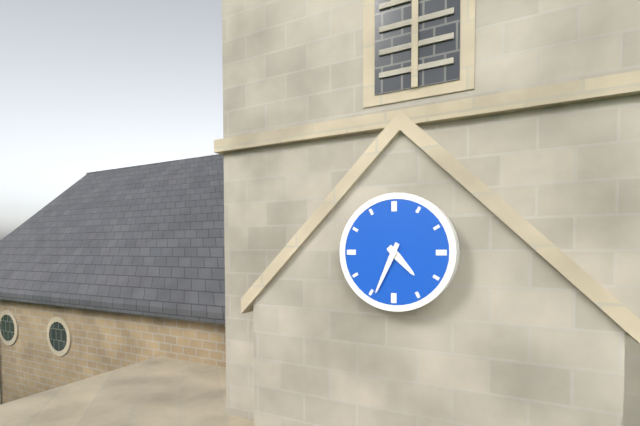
**4:34**
